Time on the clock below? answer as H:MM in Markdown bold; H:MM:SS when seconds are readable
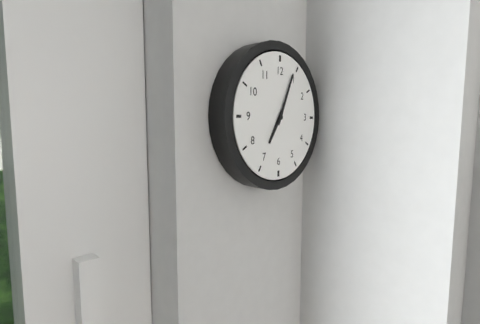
**7:04**
